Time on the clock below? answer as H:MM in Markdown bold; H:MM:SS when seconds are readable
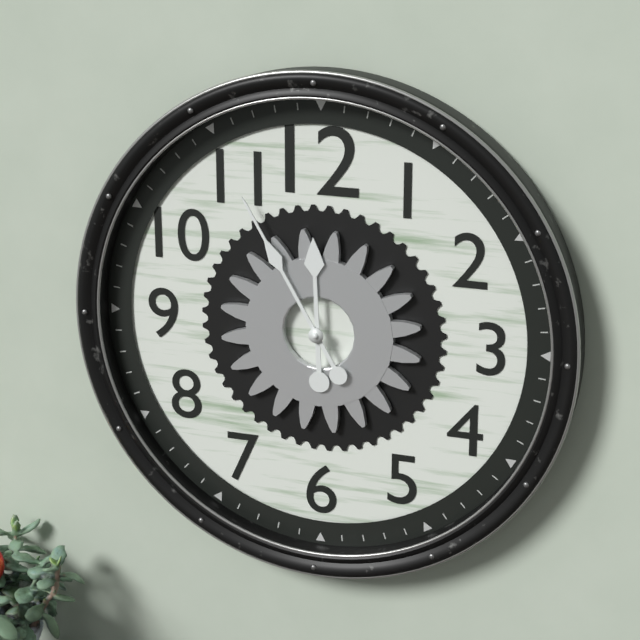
**11:55**
